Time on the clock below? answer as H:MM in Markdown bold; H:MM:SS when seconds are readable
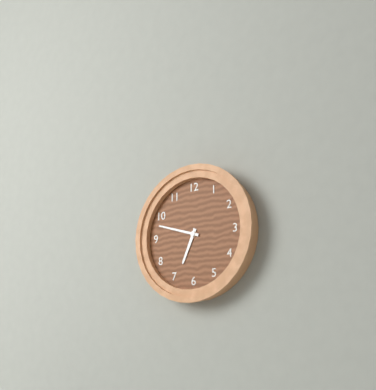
**6:48**
